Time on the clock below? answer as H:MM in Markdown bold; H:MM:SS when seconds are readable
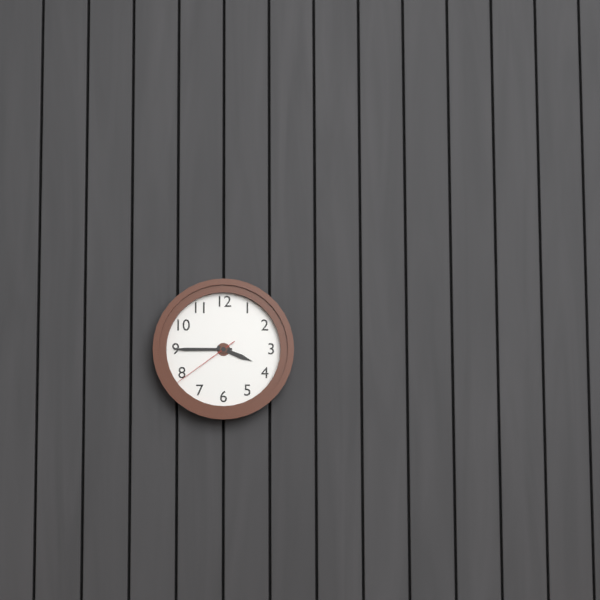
**3:45:39**
